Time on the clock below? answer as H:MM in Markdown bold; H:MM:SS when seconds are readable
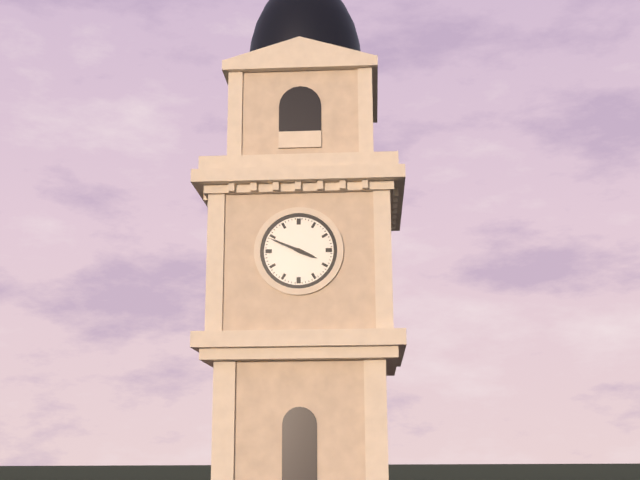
**3:49**
